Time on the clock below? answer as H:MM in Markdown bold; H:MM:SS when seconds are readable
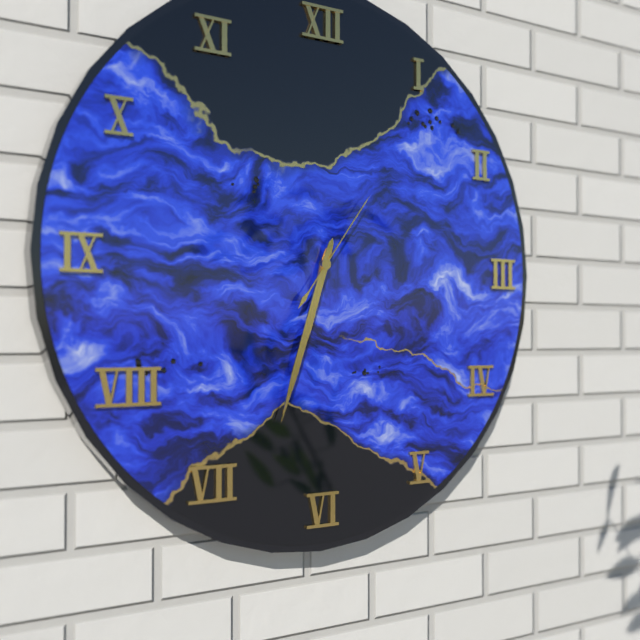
**6:33:06**
